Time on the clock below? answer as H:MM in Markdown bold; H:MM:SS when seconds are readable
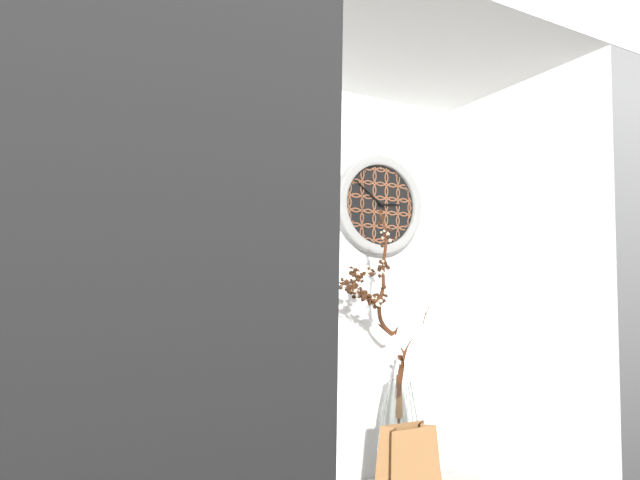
**2:51**
